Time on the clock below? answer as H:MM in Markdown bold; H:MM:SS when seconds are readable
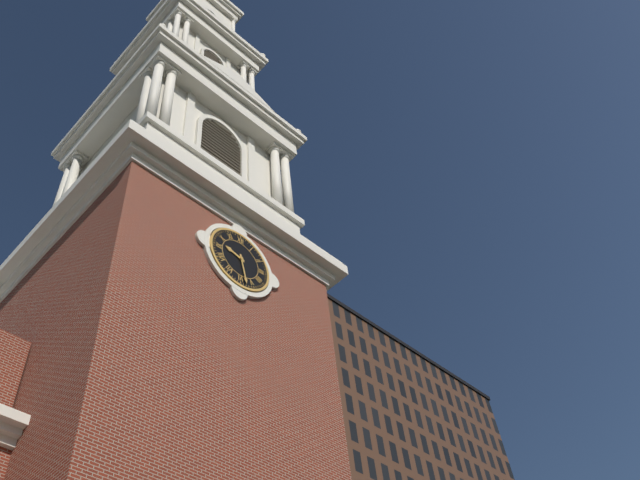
**9:28**
